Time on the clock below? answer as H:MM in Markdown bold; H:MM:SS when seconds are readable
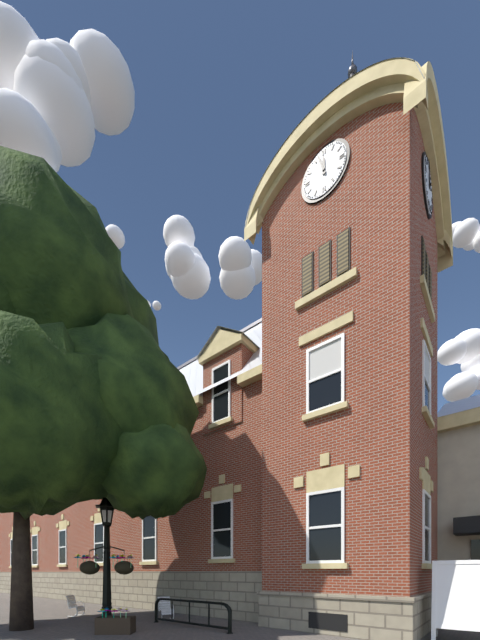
**11:57**
